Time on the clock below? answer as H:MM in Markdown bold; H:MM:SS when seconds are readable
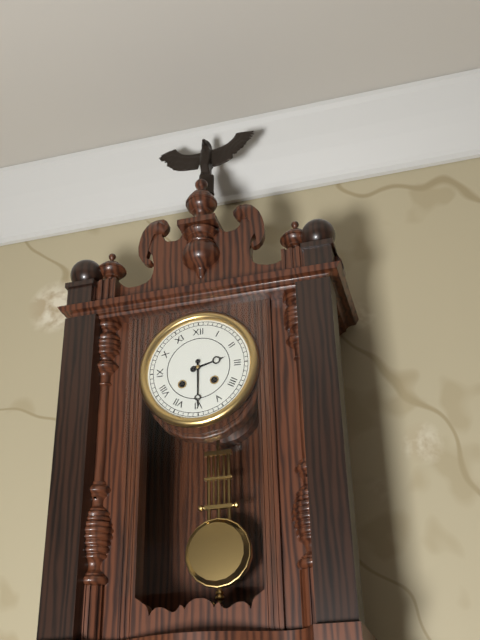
**2:30**
